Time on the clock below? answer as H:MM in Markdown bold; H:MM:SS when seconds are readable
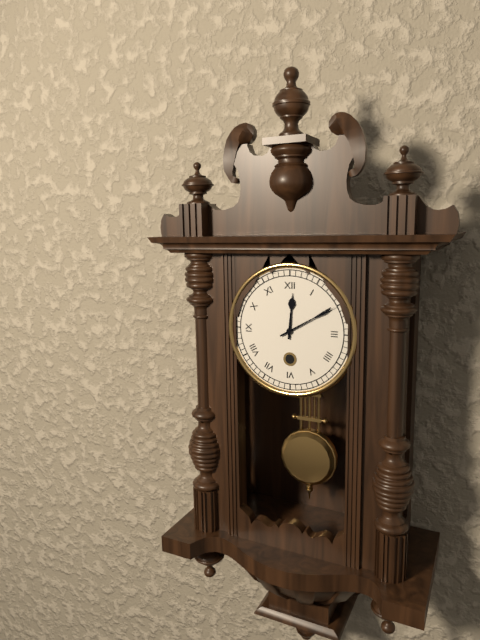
**12:10**
